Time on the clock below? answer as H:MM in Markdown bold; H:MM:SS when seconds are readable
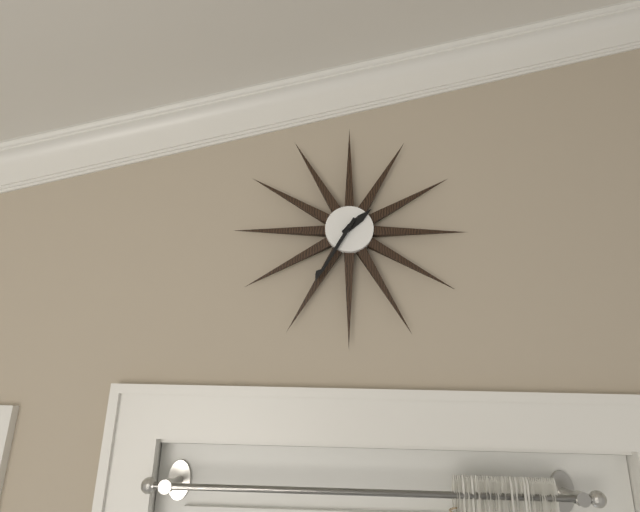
**1:35**
